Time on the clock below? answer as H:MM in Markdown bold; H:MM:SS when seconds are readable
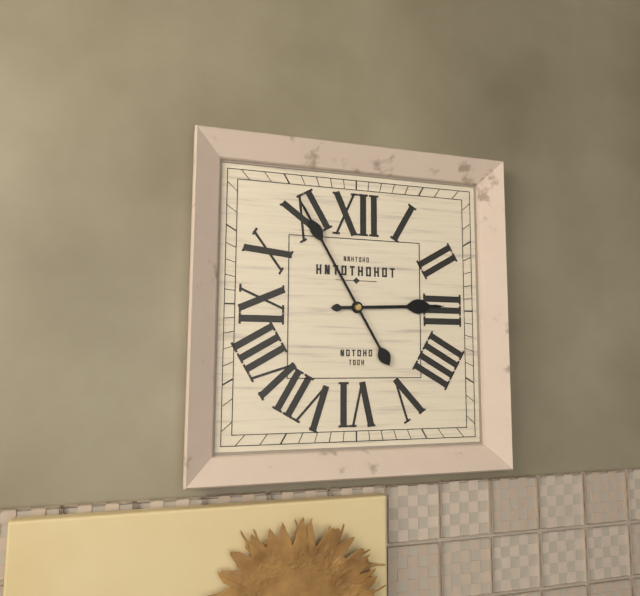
**2:55**
